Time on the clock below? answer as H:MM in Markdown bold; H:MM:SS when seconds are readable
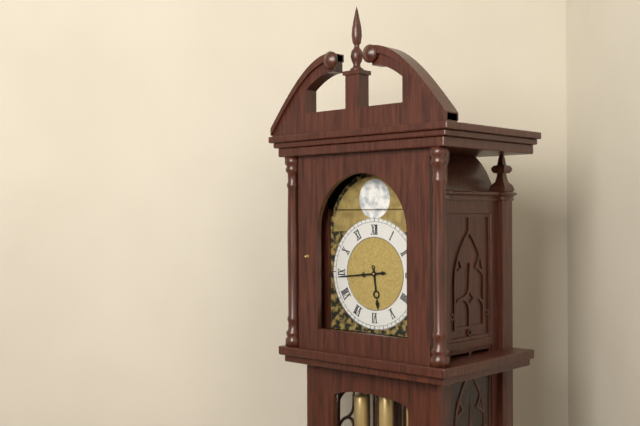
**5:44**
